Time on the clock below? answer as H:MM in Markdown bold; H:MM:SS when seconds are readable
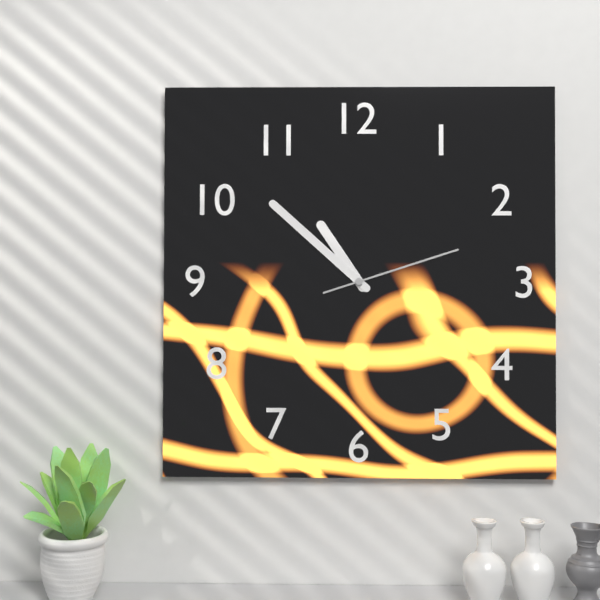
**10:52:12**
